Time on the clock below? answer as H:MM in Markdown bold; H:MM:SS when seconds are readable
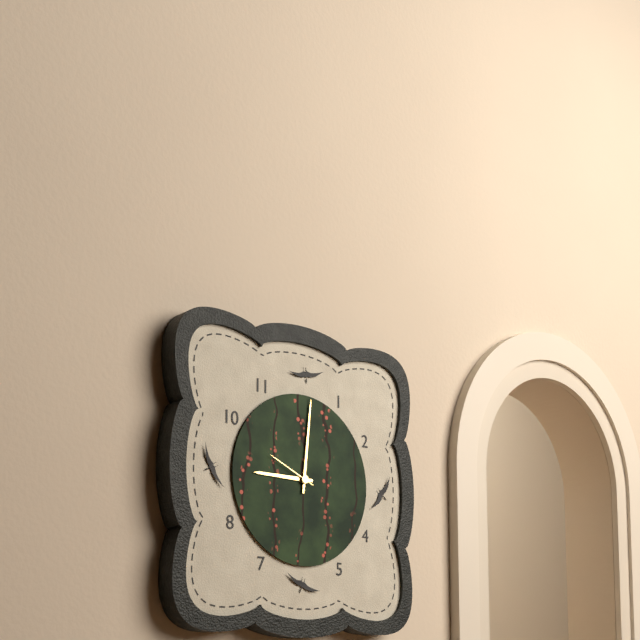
**9:01:49**
